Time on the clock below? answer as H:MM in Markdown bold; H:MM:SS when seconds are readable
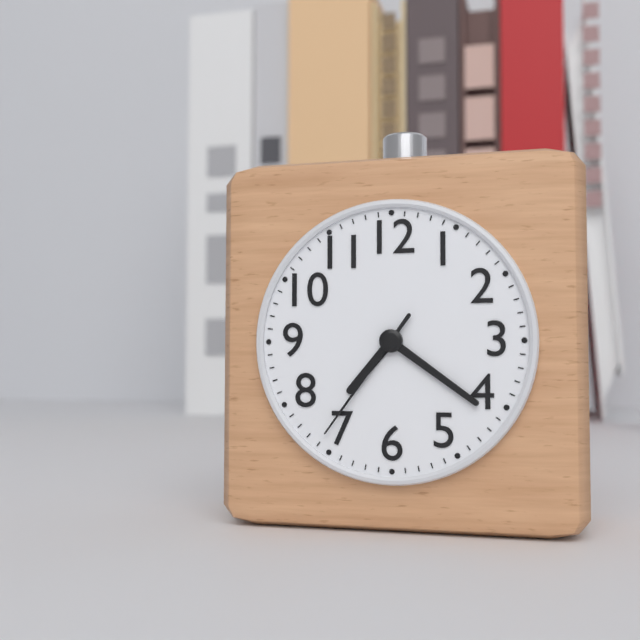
**7:21:36**
